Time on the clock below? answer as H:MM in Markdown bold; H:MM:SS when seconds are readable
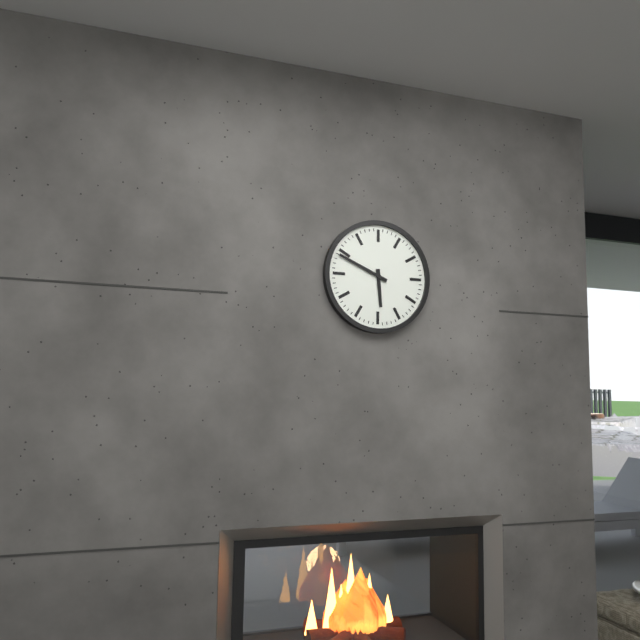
**5:49**
